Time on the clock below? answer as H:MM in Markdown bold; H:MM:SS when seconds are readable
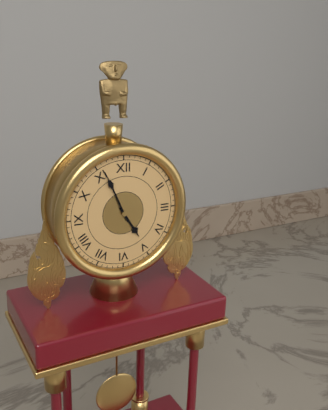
**4:56**
